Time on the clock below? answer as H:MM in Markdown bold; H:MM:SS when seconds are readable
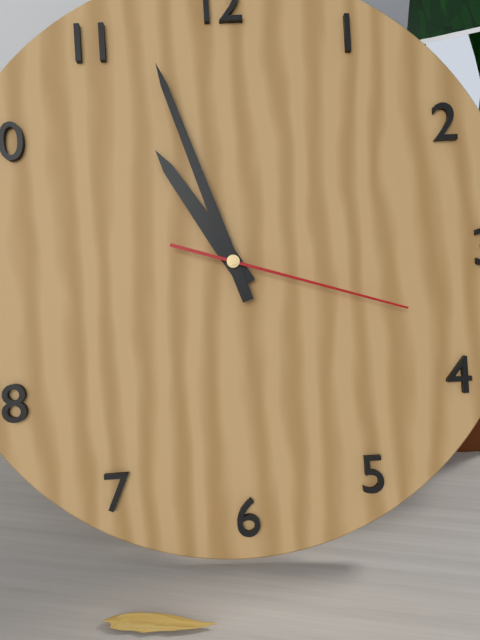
**10:57:18**
